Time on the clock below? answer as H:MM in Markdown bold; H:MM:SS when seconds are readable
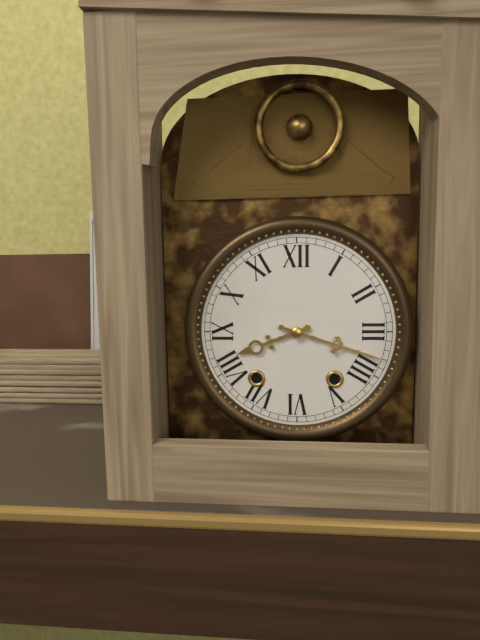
**8:18**
